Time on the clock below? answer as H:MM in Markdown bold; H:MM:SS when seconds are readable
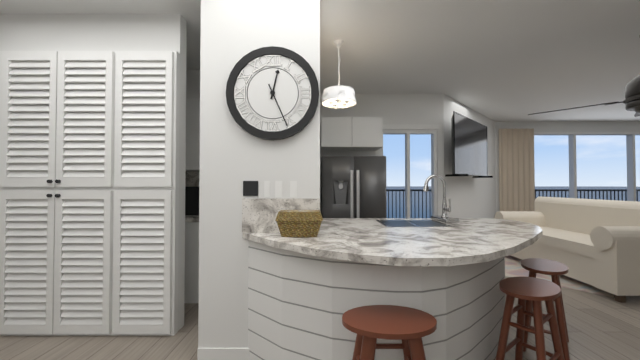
**12:26**
